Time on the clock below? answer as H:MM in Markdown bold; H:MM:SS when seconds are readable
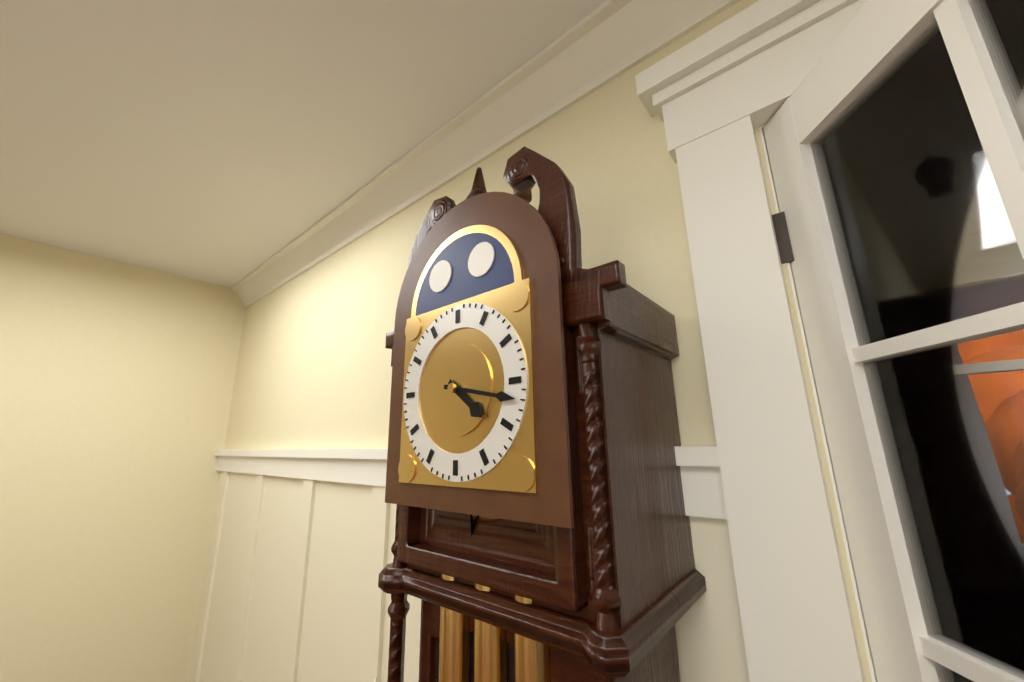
**4:17**
